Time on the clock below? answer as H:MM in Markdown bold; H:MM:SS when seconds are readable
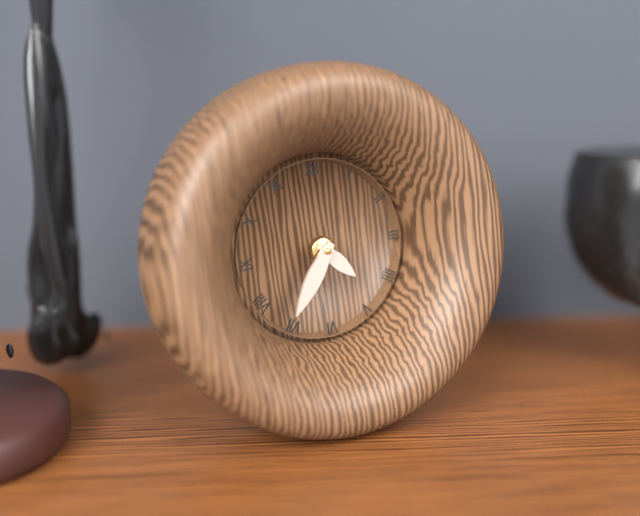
**4:36**
